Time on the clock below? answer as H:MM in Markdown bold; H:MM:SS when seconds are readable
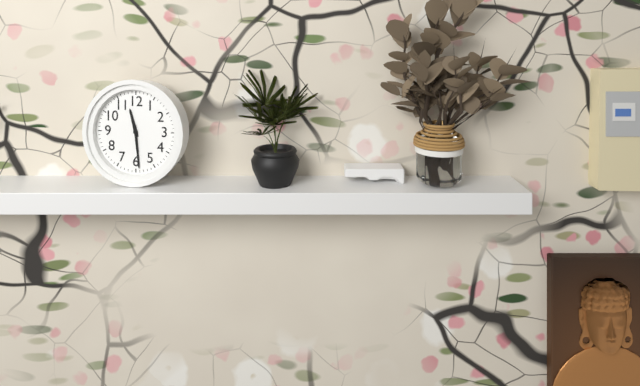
**11:29**
